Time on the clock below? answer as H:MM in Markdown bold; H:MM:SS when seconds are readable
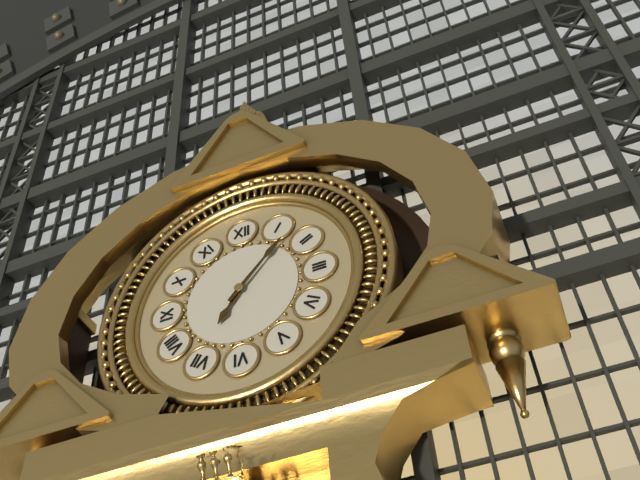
**7:07**
